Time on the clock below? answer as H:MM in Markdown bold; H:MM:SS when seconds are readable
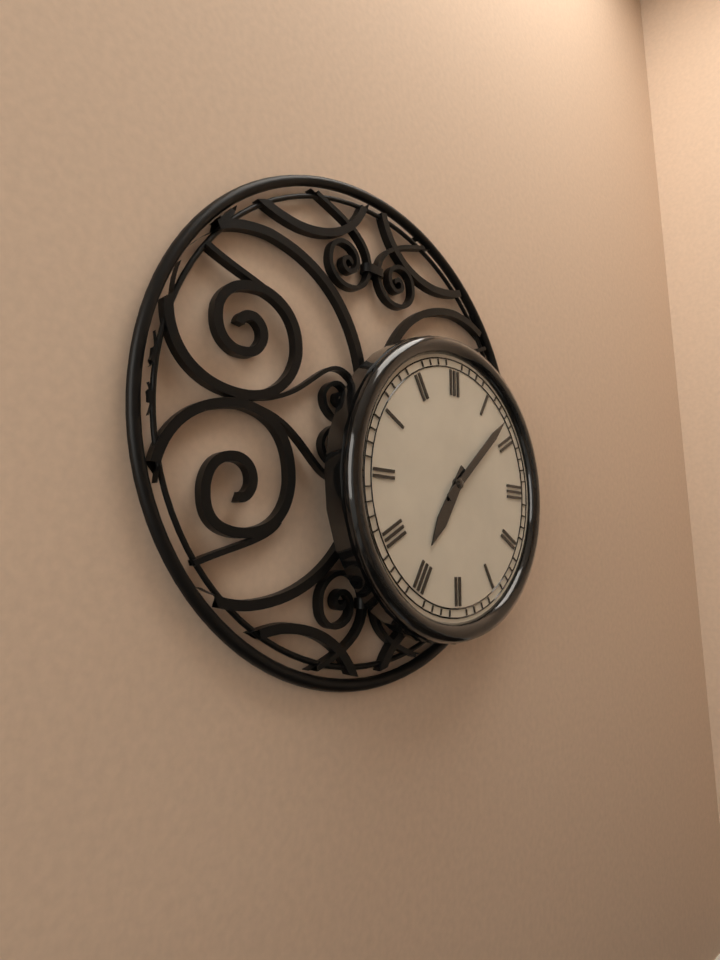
**7:08**
